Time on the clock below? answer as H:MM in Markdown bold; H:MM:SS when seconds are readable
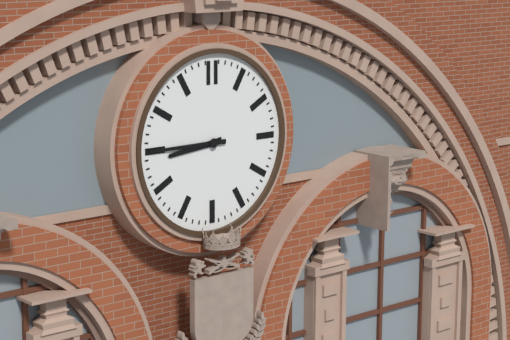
**8:45**
